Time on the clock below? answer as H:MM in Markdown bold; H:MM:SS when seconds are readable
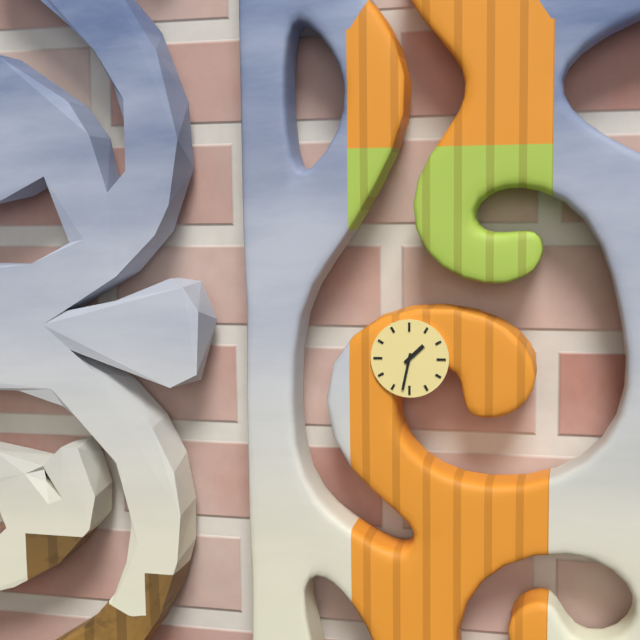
**1:32**
